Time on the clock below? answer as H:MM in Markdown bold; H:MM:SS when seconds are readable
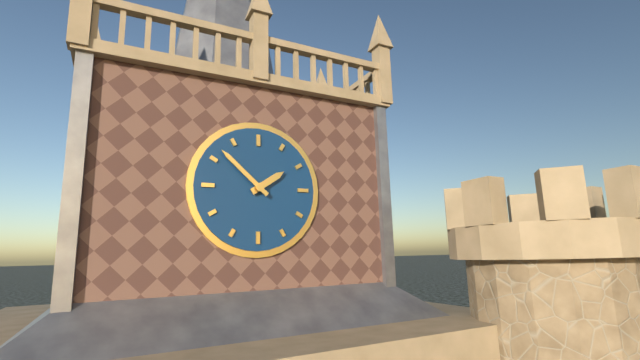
**1:52**
